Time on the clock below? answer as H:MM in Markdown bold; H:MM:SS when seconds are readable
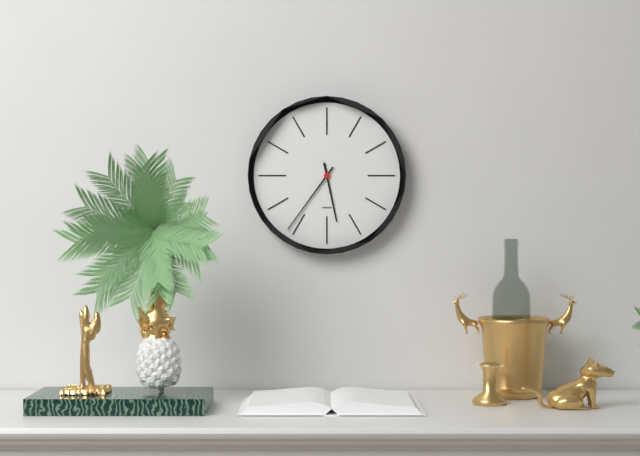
**5:36**
